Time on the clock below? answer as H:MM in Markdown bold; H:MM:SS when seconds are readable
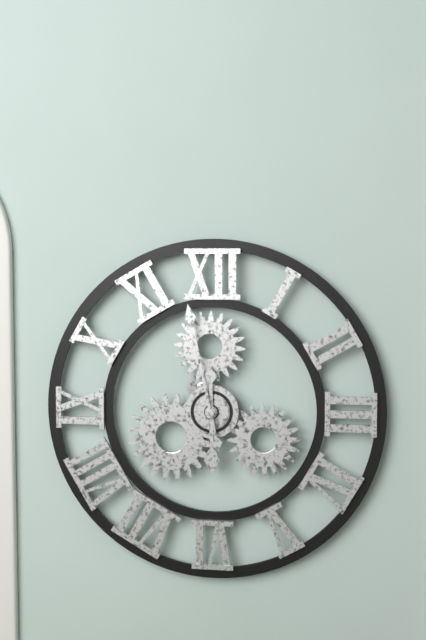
**5:58**
